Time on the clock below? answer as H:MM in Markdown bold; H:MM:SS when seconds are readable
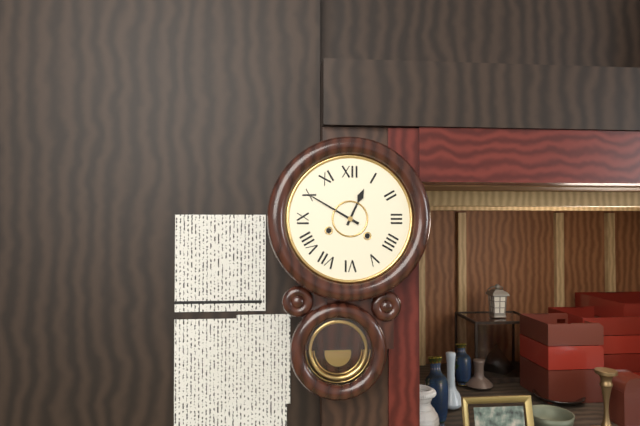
**12:50**
